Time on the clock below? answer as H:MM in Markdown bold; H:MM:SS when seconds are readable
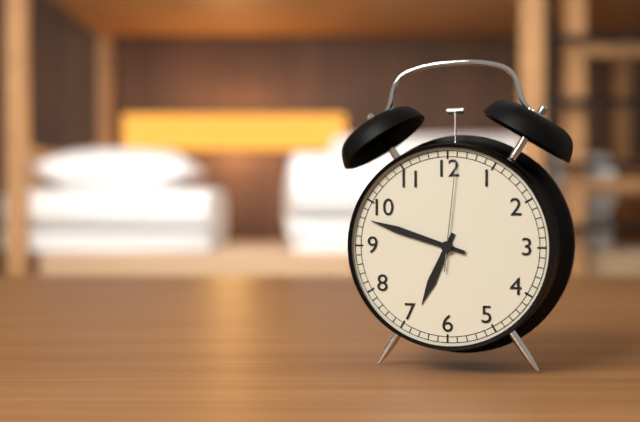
**6:48:01**
